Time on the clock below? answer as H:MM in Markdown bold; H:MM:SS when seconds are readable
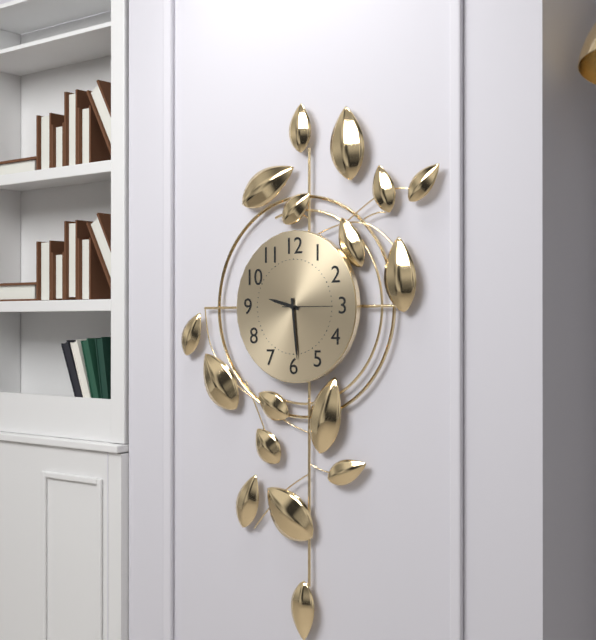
**9:29**
